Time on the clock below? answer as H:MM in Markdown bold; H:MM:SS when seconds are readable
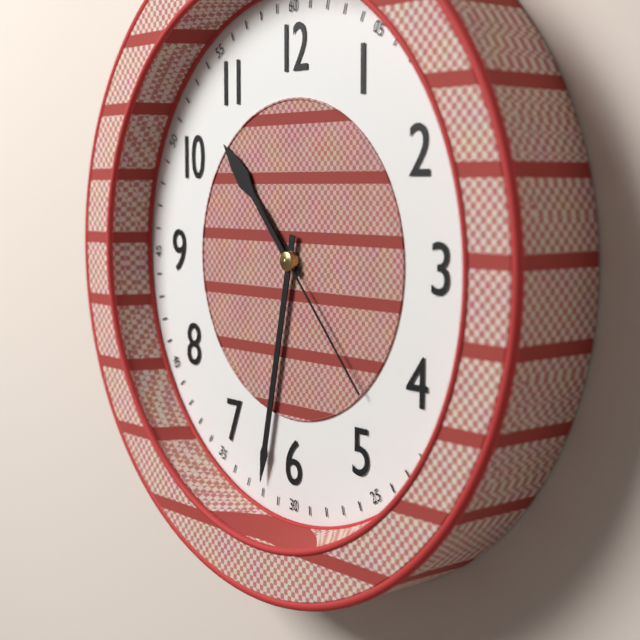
**10:32:23**
